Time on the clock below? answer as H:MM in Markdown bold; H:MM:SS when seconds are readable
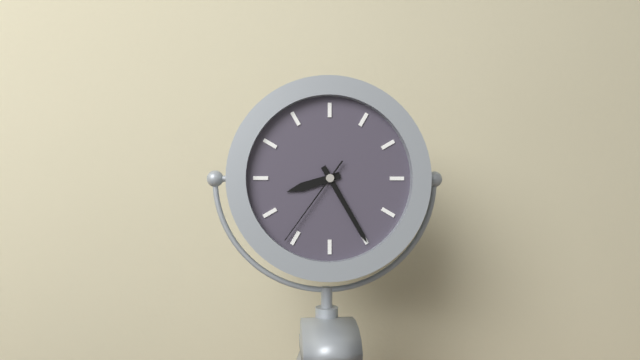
**8:25:36**
